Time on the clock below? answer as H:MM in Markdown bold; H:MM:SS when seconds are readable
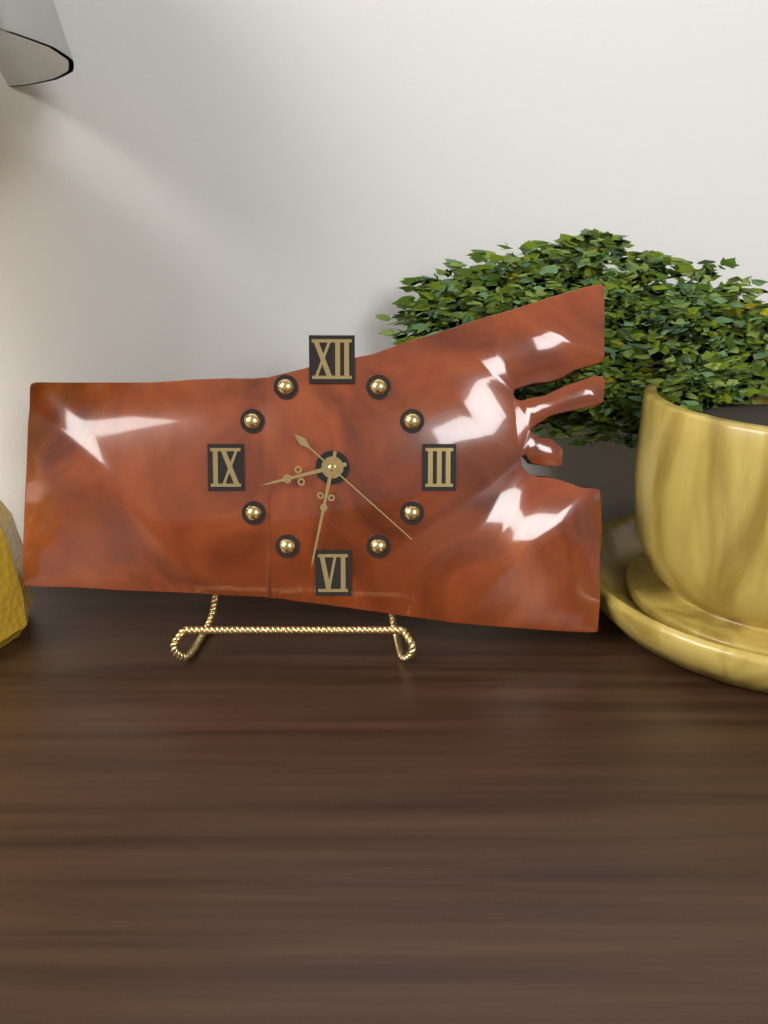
**8:32:22**
